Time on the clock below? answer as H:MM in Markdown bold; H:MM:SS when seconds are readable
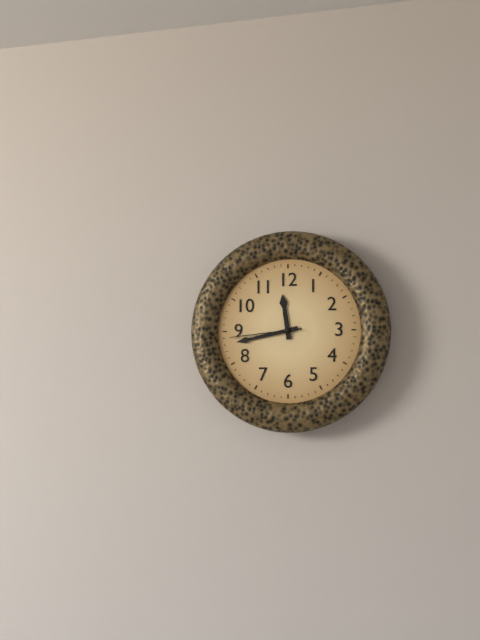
**11:43:44**
